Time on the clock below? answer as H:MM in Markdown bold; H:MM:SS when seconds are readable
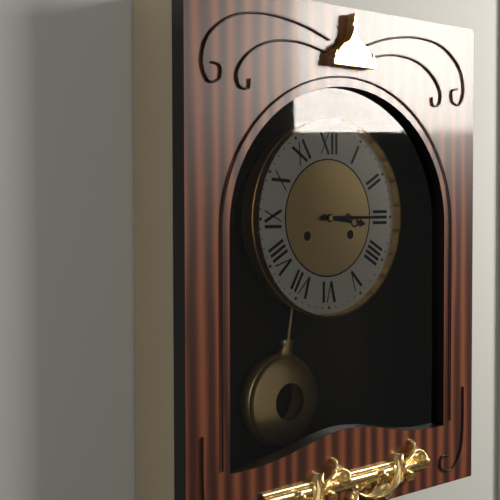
**3:15**
